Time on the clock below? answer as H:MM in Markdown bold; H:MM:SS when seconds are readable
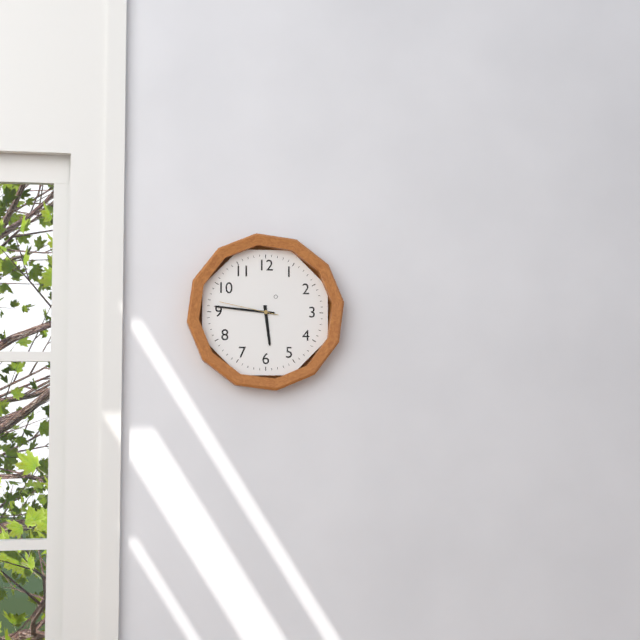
**5:46:47**
